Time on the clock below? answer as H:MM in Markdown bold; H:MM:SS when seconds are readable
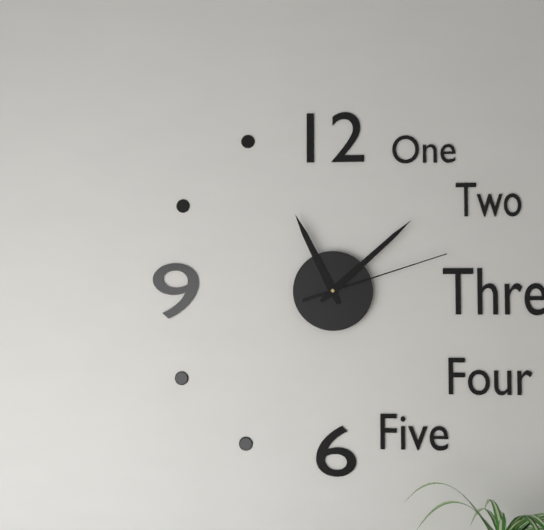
**11:08:12**
